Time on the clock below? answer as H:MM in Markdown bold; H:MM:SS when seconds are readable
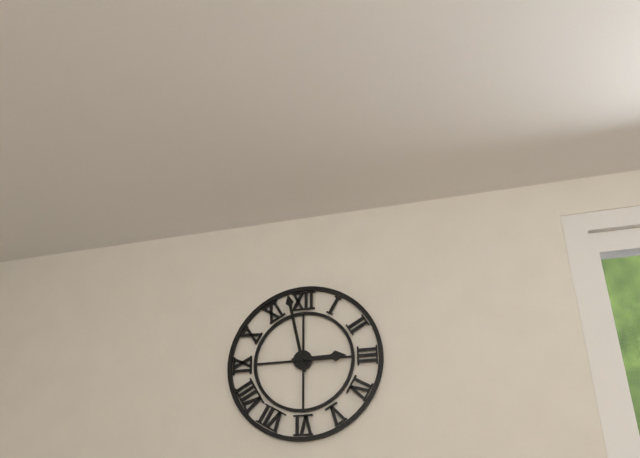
**2:58**
